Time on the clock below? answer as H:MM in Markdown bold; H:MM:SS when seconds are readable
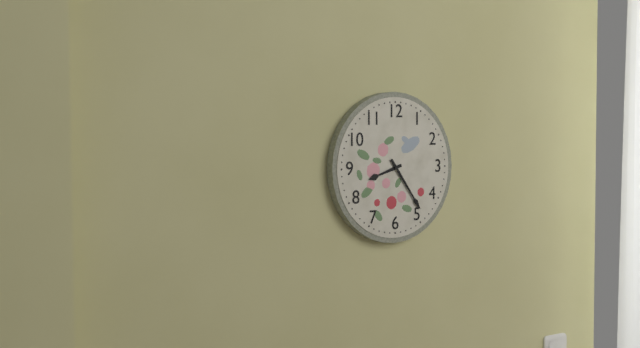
**8:24**
